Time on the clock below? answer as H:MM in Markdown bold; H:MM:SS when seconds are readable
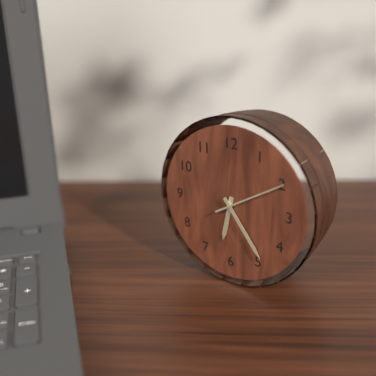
**6:24:10**
